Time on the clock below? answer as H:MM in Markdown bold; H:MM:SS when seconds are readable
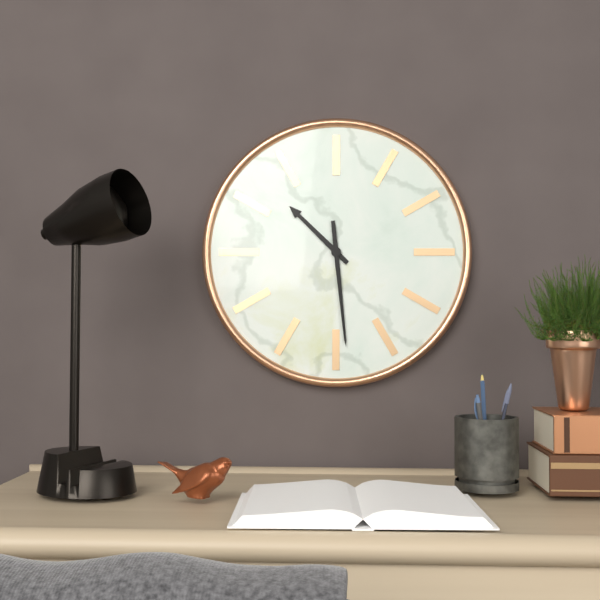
**10:29**
